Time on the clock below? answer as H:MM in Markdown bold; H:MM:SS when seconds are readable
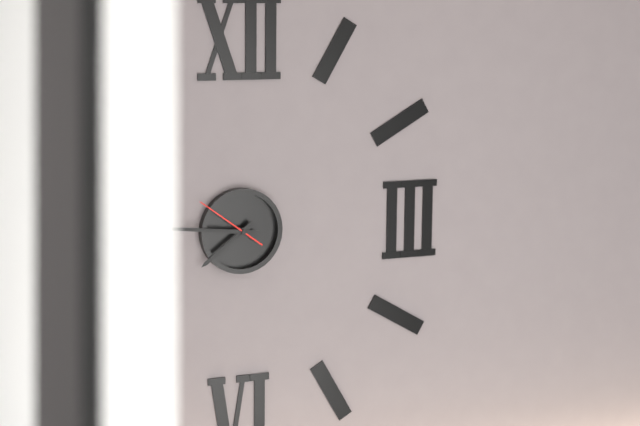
**7:46:51**
